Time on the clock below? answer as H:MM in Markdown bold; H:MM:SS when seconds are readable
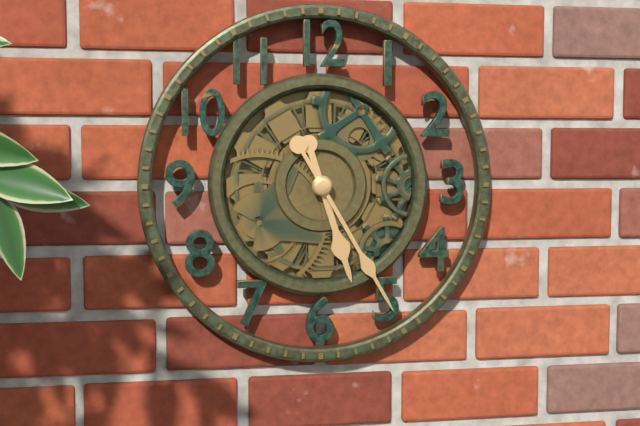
**5:25**
